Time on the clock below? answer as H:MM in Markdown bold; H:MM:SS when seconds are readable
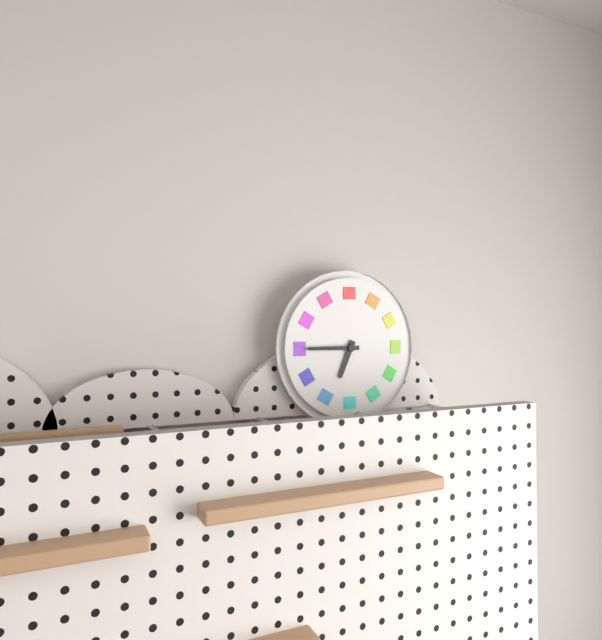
**6:45**
